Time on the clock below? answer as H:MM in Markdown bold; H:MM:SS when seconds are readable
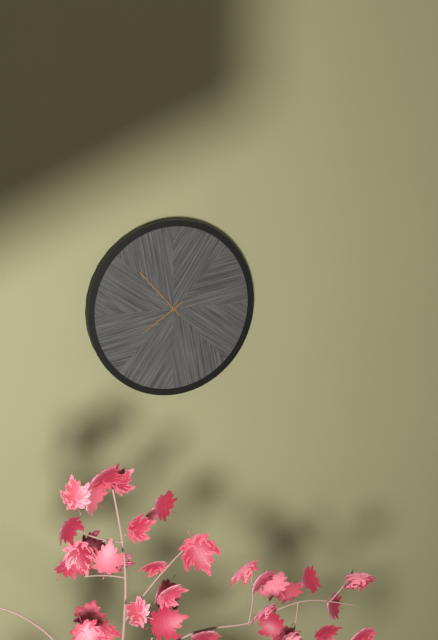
**7:53**
